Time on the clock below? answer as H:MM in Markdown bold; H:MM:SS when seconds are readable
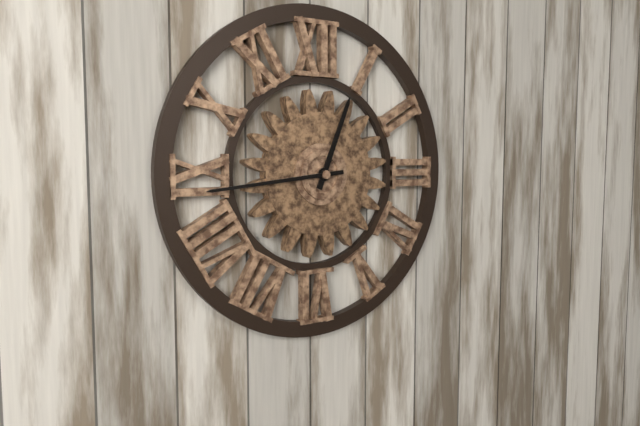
**12:44**
